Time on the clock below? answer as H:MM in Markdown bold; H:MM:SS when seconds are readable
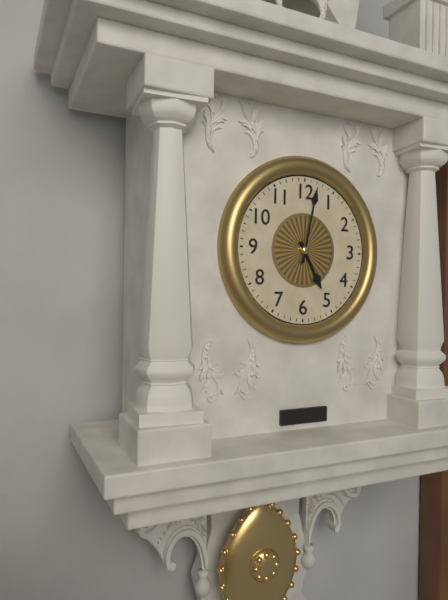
**5:02**
